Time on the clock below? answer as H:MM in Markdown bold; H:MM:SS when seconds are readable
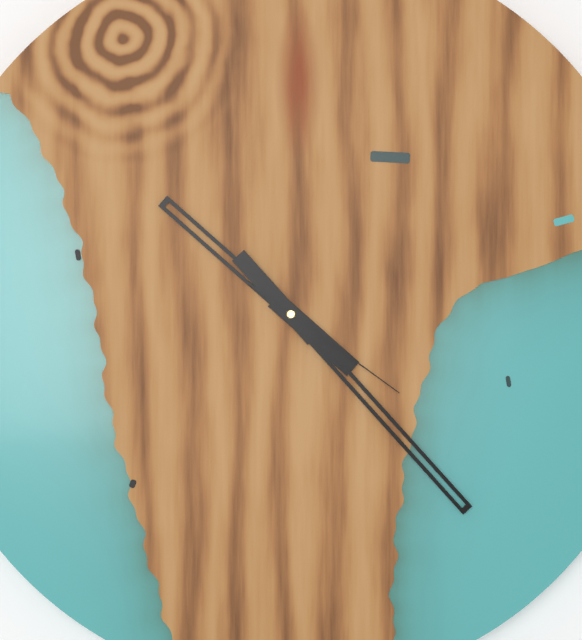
**10:23:21**
